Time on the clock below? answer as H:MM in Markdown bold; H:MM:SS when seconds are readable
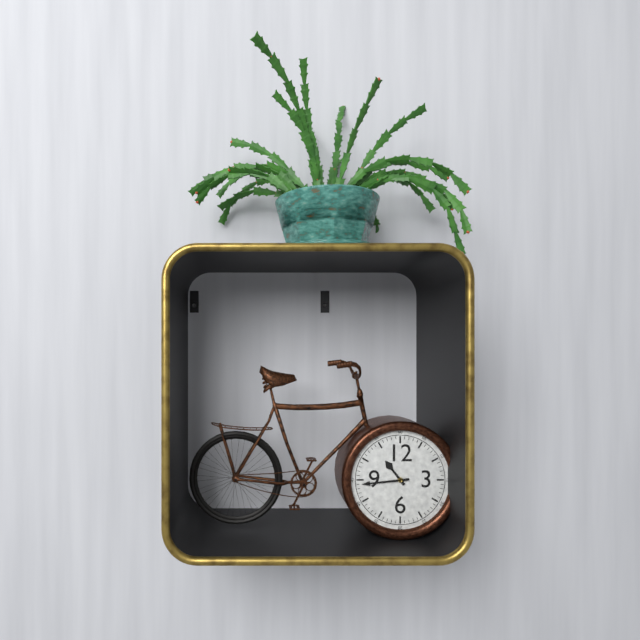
**10:44**
